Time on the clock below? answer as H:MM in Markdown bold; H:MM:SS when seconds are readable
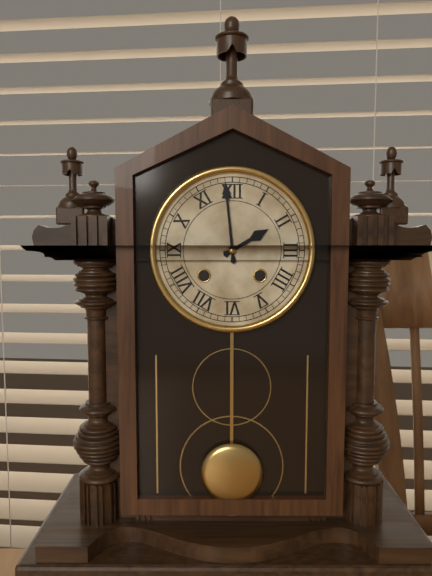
**1:59**
